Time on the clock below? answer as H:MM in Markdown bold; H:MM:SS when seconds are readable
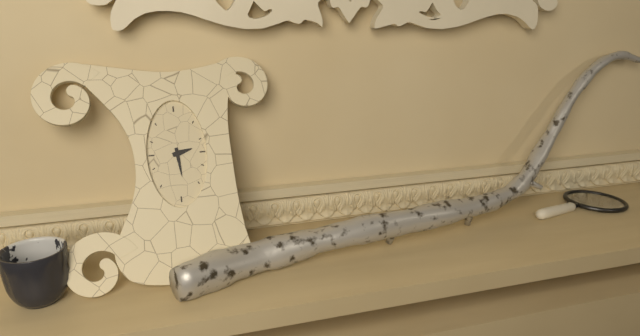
**2:29**
